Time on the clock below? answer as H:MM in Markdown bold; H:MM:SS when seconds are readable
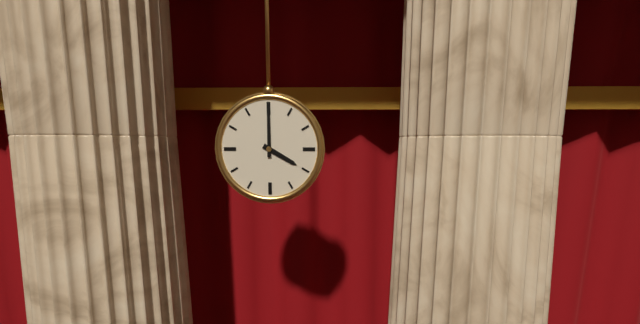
**4:00**
